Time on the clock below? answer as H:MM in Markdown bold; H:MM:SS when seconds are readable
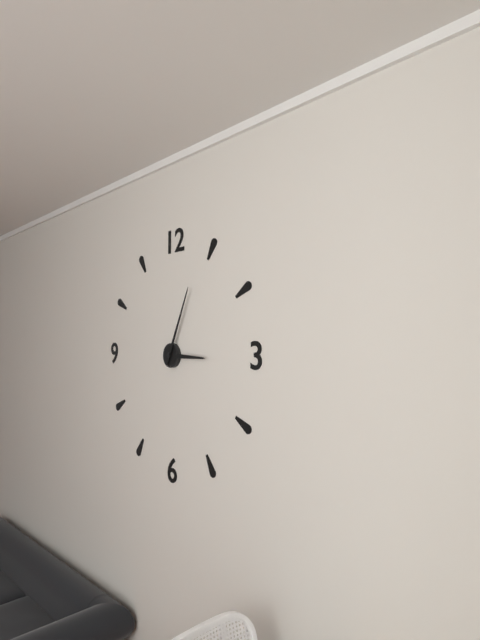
**3:04**
